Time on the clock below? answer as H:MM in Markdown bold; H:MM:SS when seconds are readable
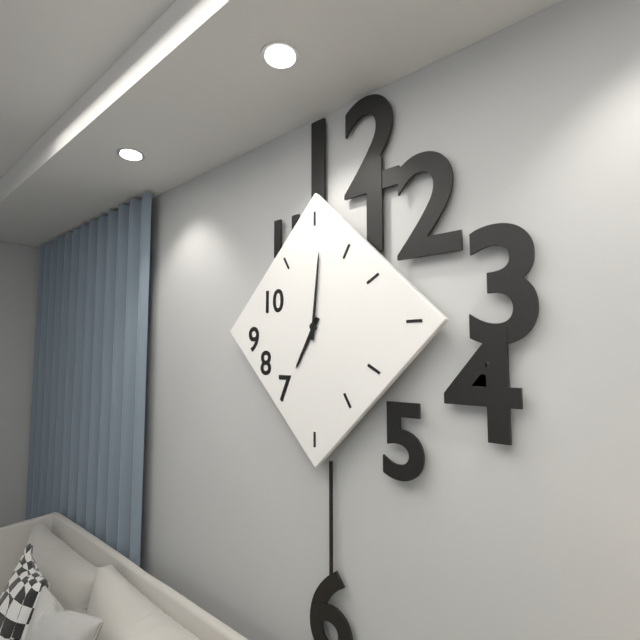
**7:01**
